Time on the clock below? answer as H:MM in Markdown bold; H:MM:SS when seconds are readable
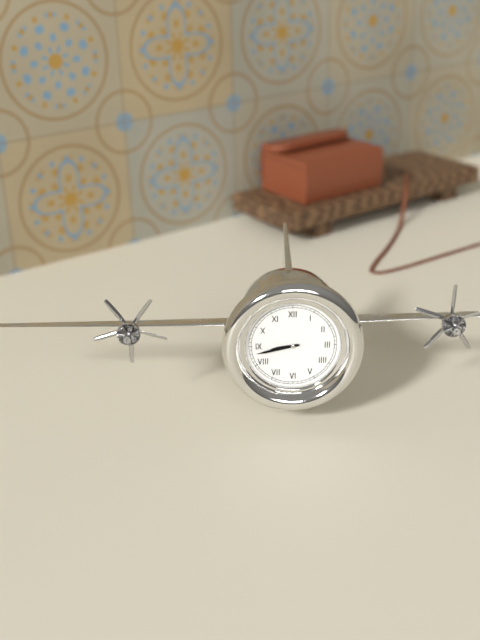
**8:43**
